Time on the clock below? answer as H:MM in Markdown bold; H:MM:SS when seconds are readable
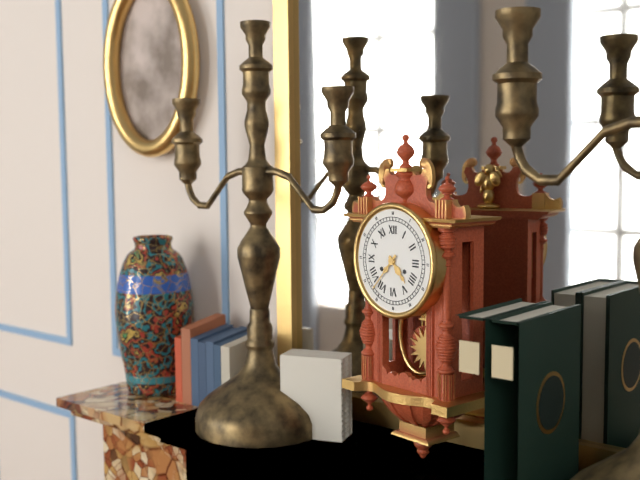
**4:37**
